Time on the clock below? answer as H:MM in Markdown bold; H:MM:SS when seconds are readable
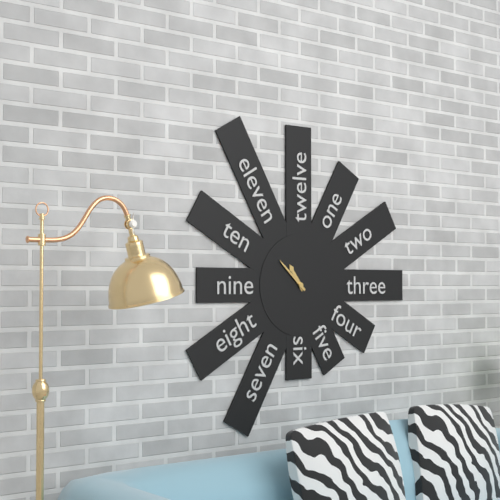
**10:52**
